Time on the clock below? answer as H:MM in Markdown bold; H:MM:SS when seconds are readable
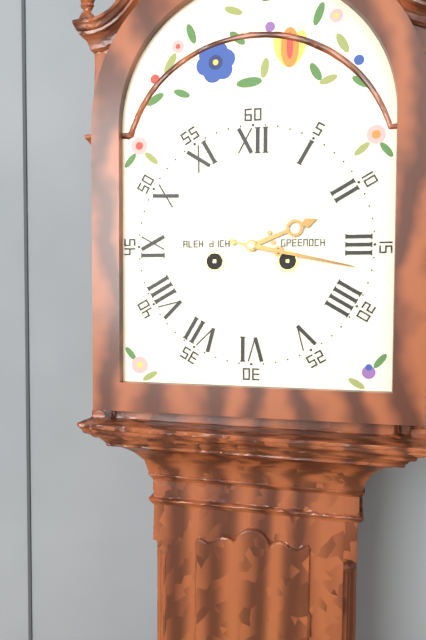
**2:17**
